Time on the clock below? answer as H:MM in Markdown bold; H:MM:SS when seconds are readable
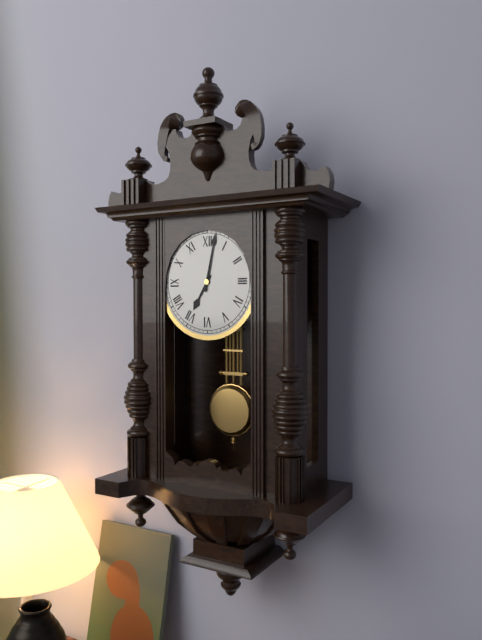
**7:02**
